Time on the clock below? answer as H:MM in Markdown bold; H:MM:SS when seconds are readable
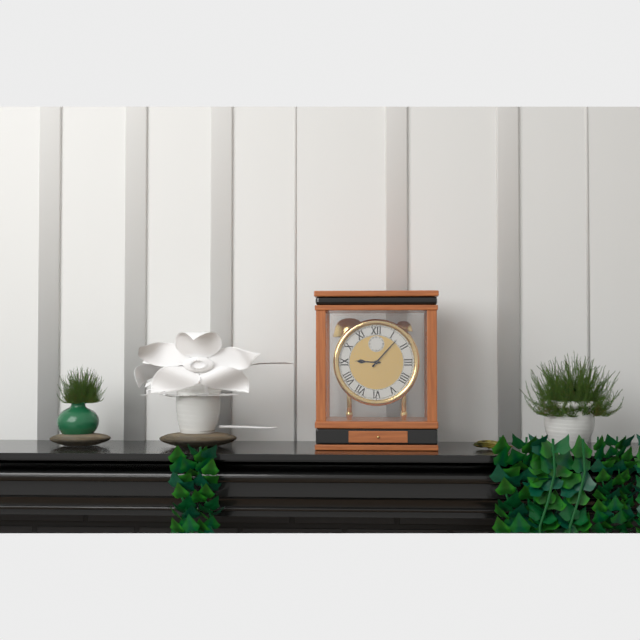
**9:07**
